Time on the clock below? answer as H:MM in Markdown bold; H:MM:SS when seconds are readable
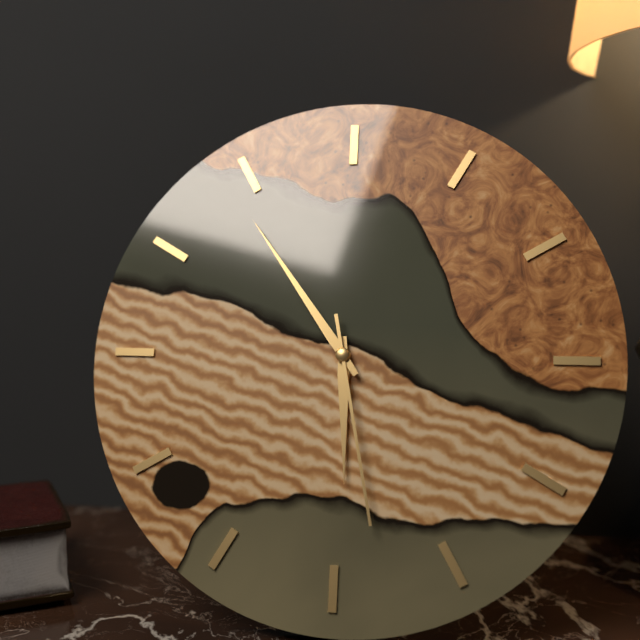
**5:54:28**
